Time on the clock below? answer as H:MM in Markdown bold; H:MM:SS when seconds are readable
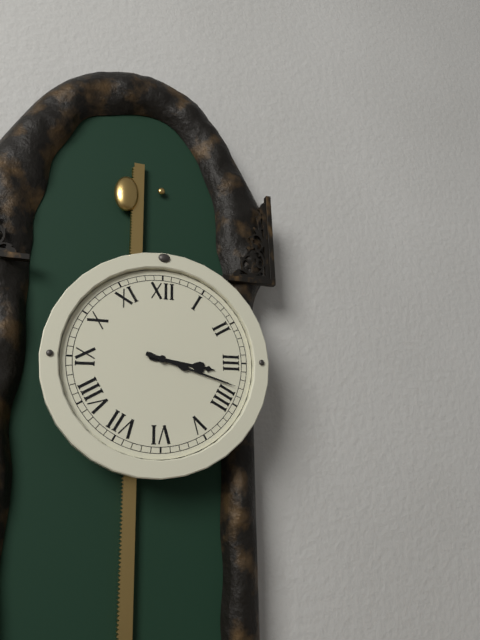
**3:18**
